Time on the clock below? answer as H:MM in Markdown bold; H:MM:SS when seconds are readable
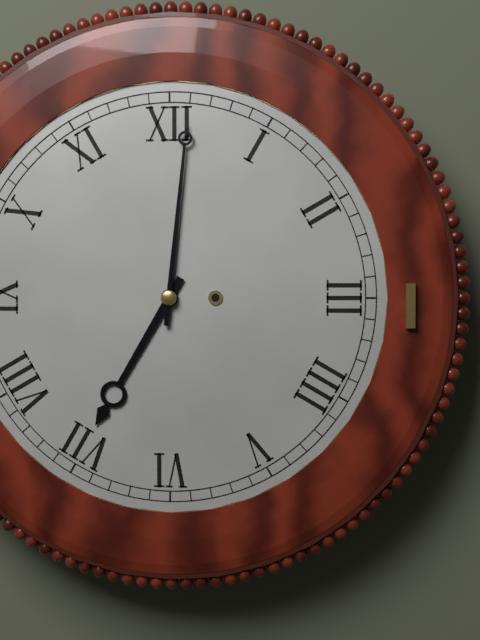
**7:01**
